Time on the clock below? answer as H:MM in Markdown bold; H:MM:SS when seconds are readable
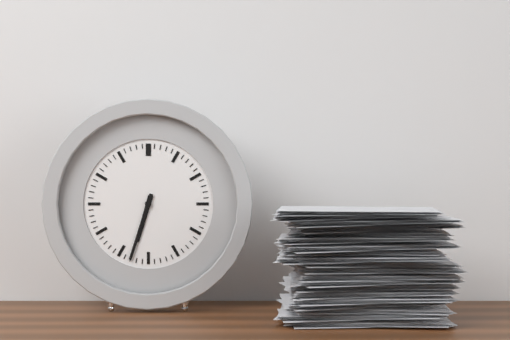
**6:33**
